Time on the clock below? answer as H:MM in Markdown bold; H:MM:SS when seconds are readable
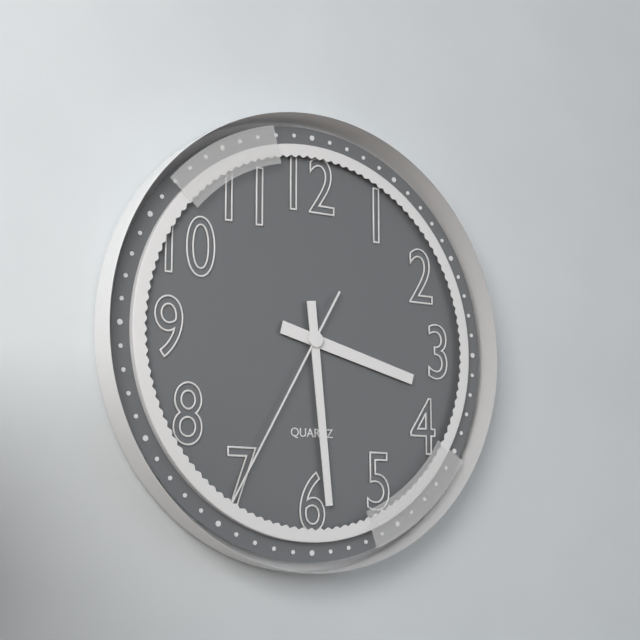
**3:29:35**
